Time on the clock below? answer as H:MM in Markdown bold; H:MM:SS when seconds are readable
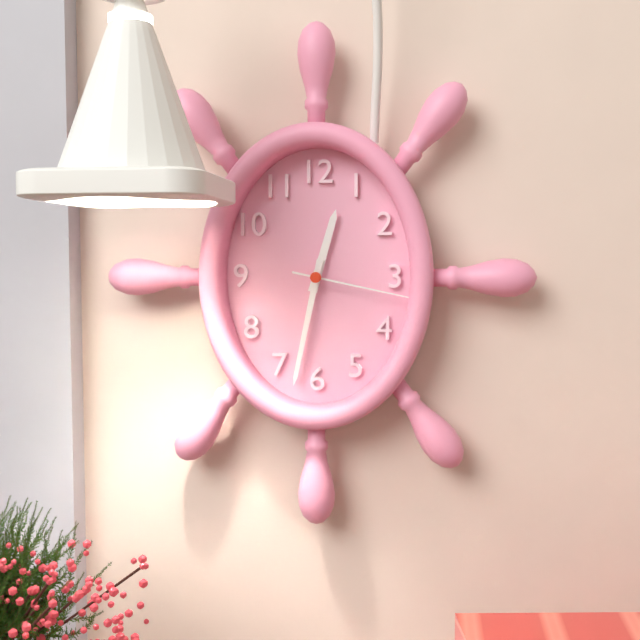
**12:32:17**
